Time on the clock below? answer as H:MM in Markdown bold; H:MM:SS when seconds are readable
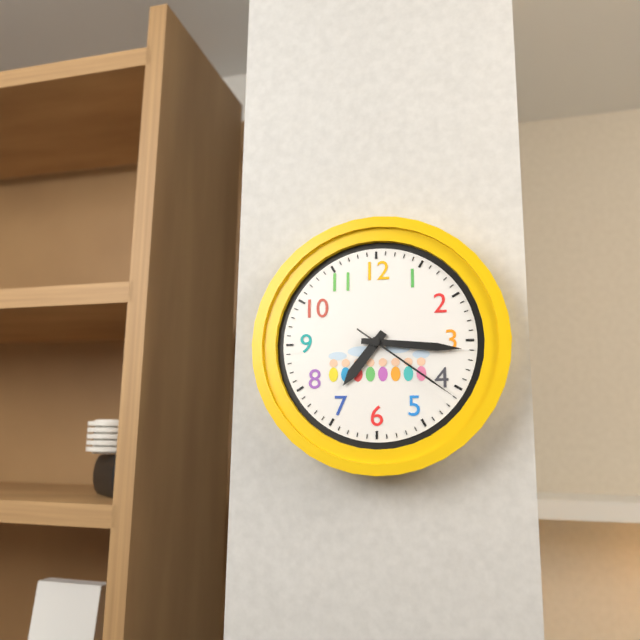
**7:16:21**
